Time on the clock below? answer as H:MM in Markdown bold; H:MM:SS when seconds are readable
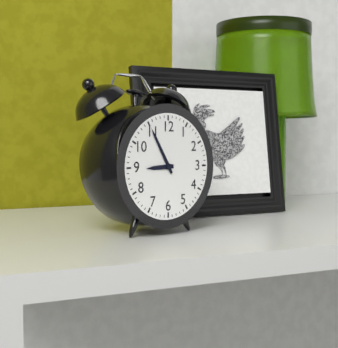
**8:55**
